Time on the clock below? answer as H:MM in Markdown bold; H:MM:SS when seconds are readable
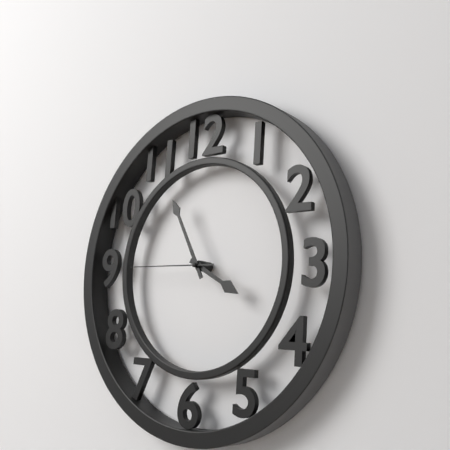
**3:55:45**
